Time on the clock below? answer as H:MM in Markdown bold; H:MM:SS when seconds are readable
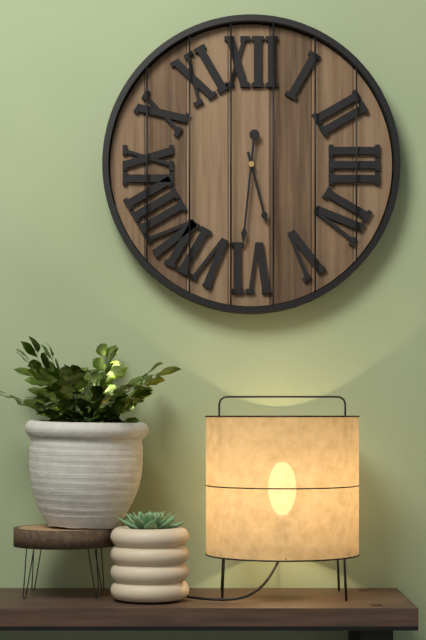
**5:31**
